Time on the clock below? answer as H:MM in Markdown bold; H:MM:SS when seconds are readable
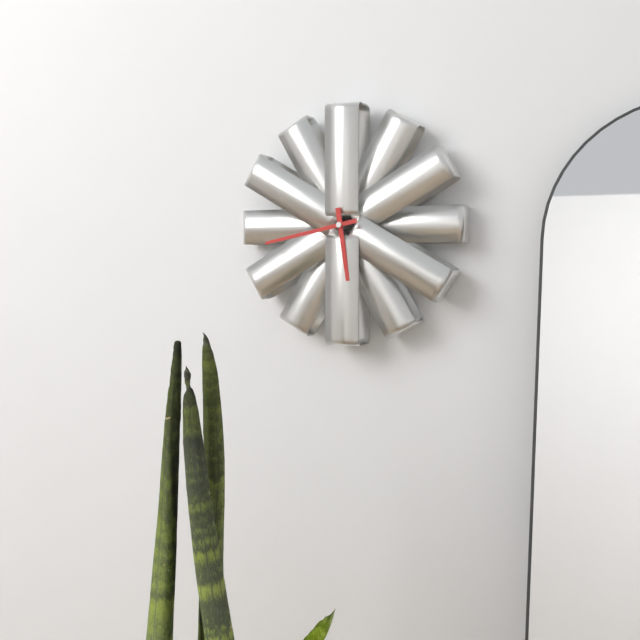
**5:43**
